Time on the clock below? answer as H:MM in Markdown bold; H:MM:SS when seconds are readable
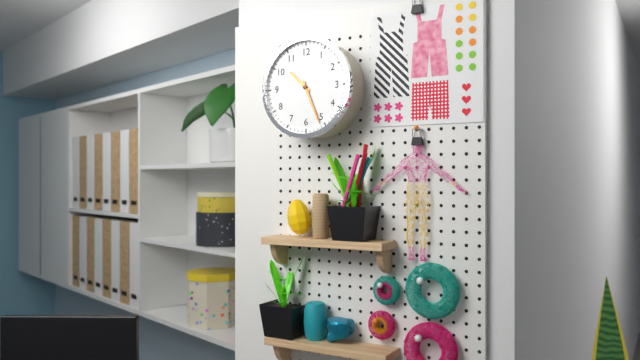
**10:26**
